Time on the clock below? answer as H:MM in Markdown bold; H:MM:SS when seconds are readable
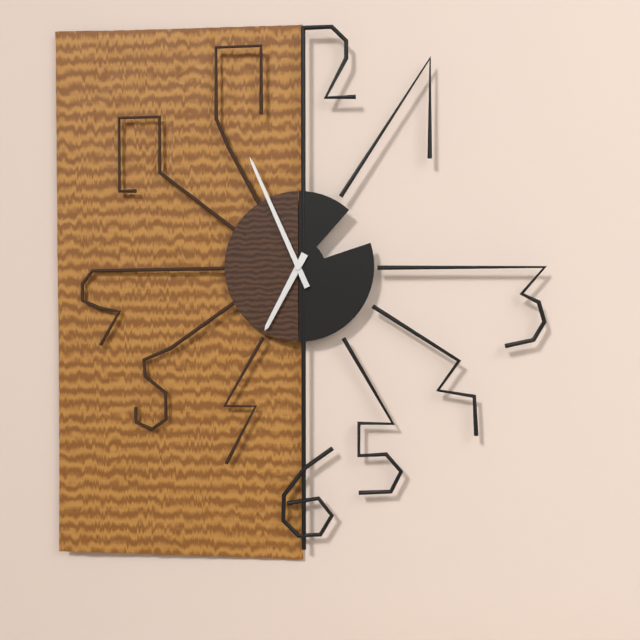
**6:56**
